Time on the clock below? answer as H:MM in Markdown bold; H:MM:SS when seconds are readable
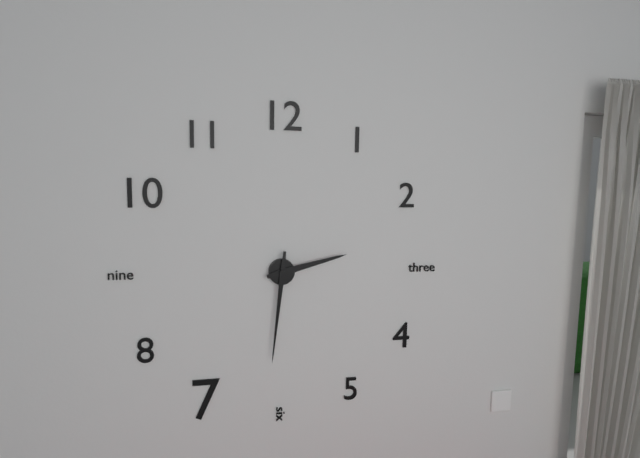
**2:31**
